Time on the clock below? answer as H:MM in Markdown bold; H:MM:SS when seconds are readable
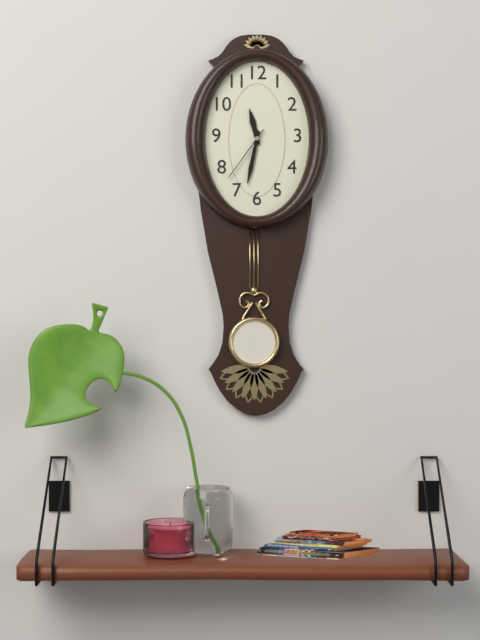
**11:32:36**
